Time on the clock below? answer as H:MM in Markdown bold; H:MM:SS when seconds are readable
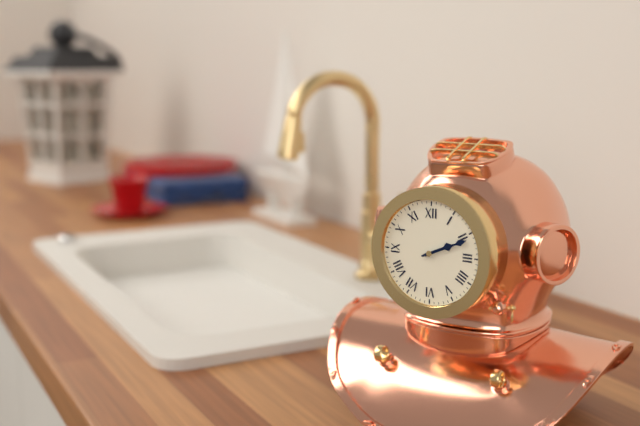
**2:11**
